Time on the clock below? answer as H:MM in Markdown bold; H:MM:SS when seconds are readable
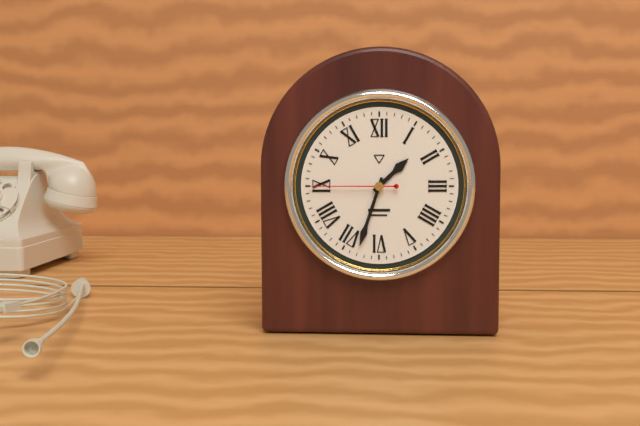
**1:33:45**
